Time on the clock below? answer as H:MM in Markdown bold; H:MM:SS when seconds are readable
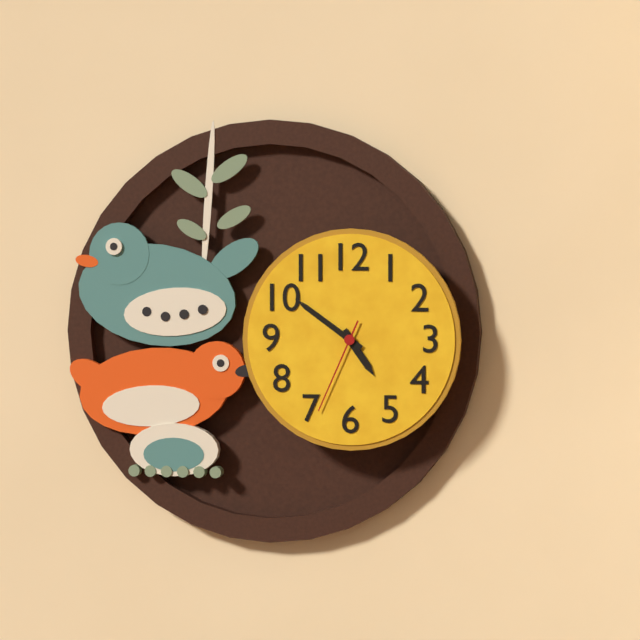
**4:51:34**
